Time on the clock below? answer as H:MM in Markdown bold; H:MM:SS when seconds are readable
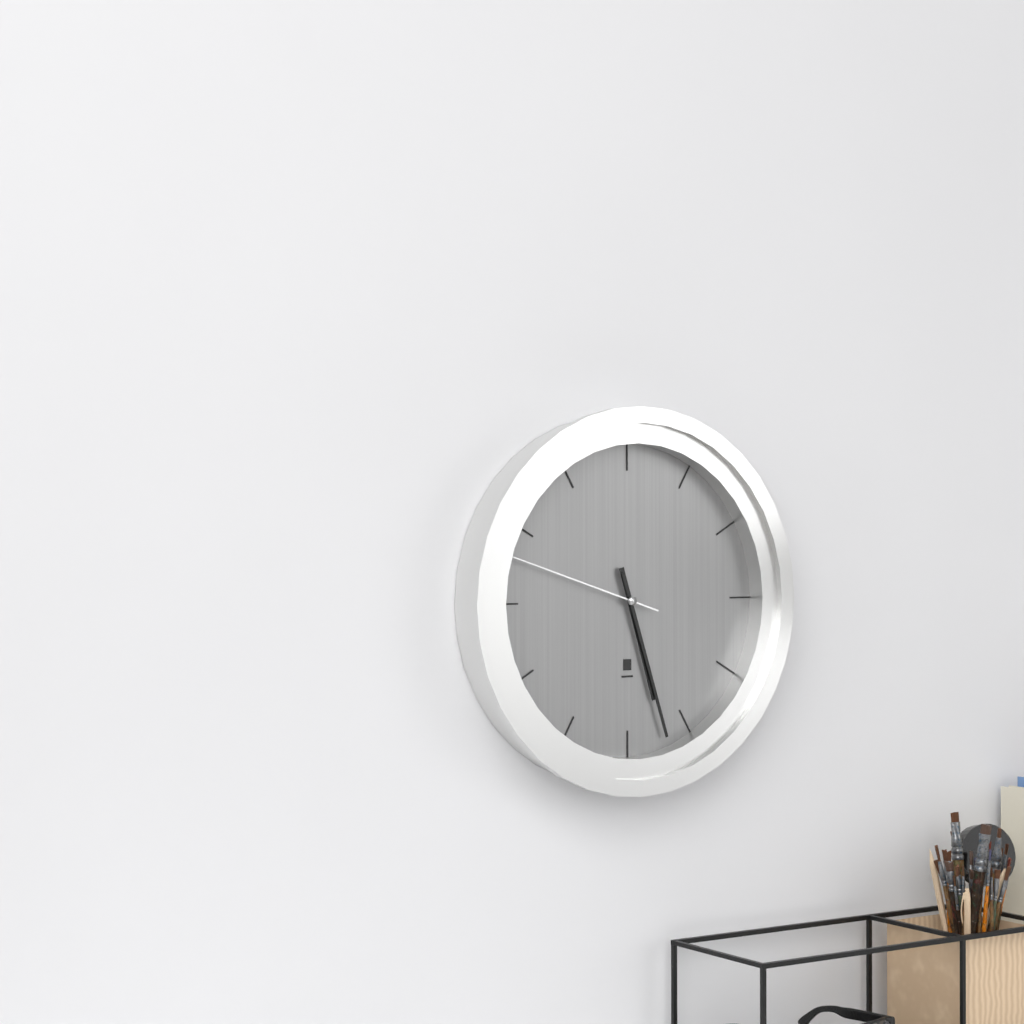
**5:27:48**
